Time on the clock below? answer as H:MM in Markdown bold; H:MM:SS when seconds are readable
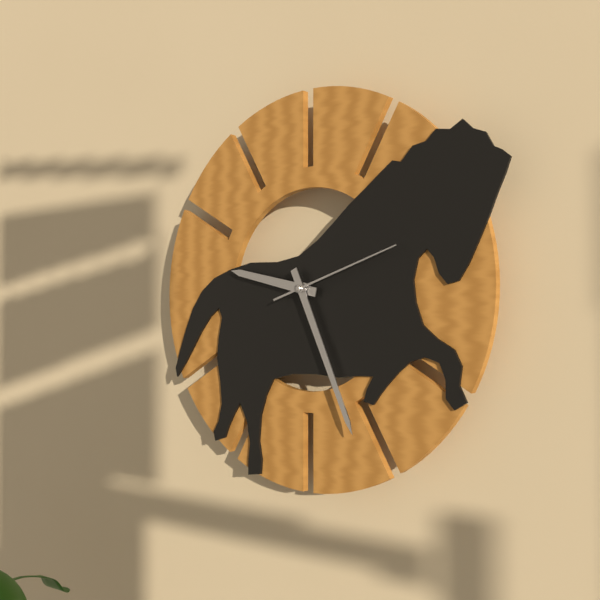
**9:26:12**
